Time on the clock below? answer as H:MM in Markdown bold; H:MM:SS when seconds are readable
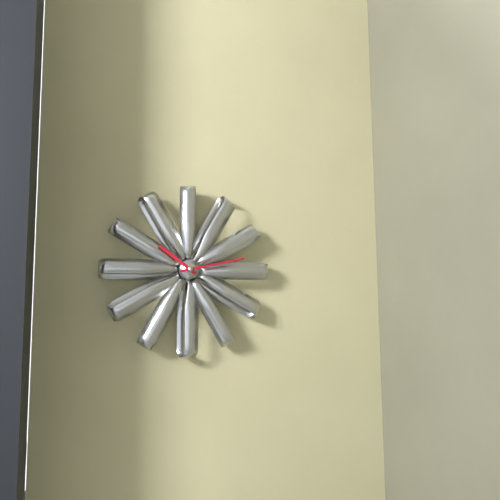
**10:13**
